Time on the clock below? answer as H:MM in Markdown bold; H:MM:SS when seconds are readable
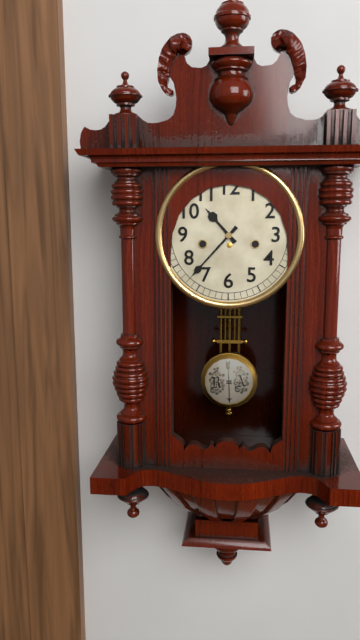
**10:37**
